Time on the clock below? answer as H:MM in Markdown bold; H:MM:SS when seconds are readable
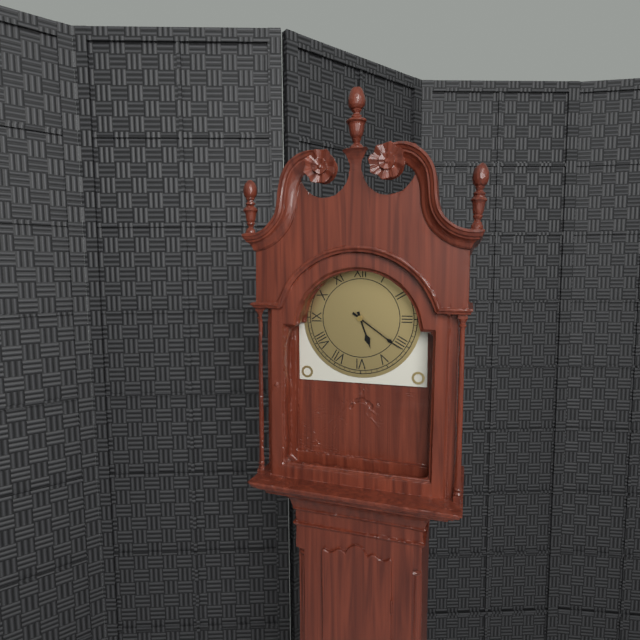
**5:21**
